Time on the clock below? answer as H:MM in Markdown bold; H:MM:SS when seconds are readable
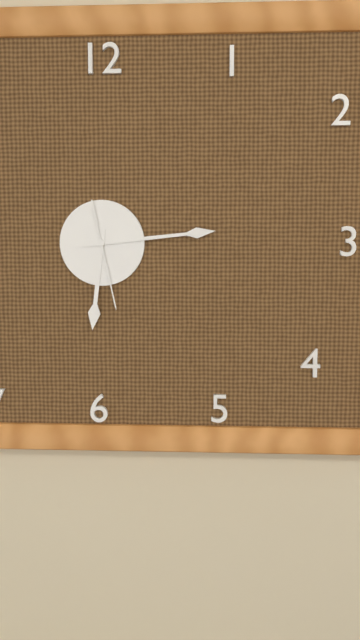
**6:14:28**
